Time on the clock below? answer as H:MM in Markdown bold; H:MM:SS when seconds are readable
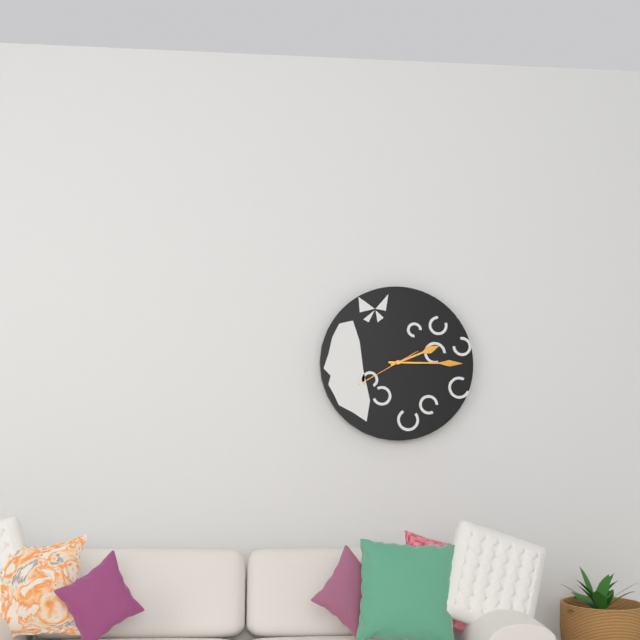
**2:15:40**
